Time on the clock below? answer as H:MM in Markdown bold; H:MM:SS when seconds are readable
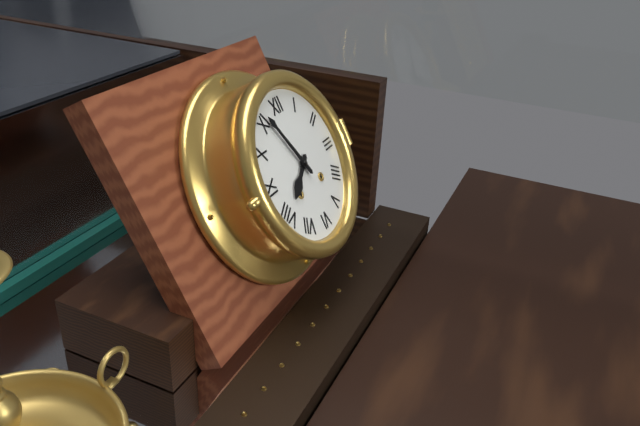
**7:56**
